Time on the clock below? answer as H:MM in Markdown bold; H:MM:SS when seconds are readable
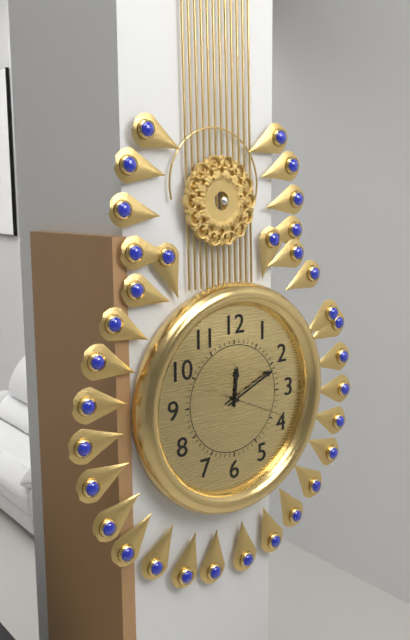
**12:11:19**
